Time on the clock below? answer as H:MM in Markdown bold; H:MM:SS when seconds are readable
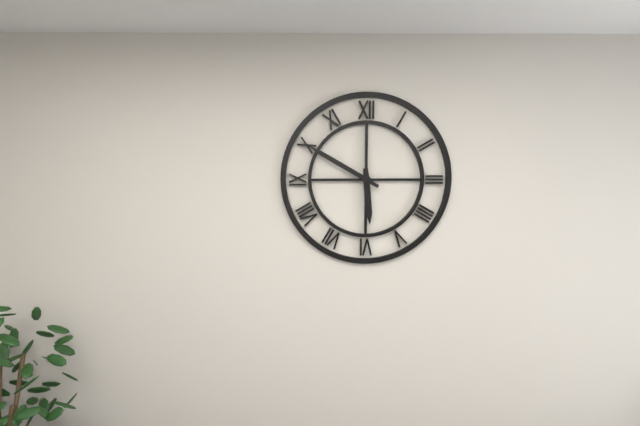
**5:50**
